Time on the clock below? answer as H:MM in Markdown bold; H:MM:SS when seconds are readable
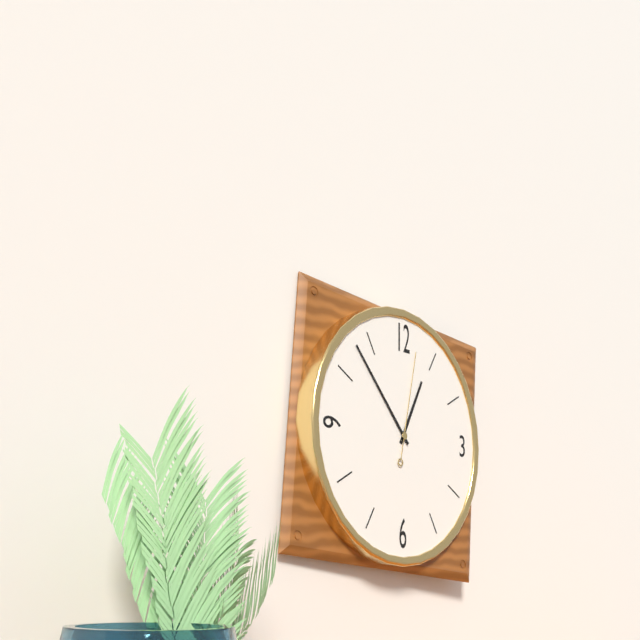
**12:53:02**
